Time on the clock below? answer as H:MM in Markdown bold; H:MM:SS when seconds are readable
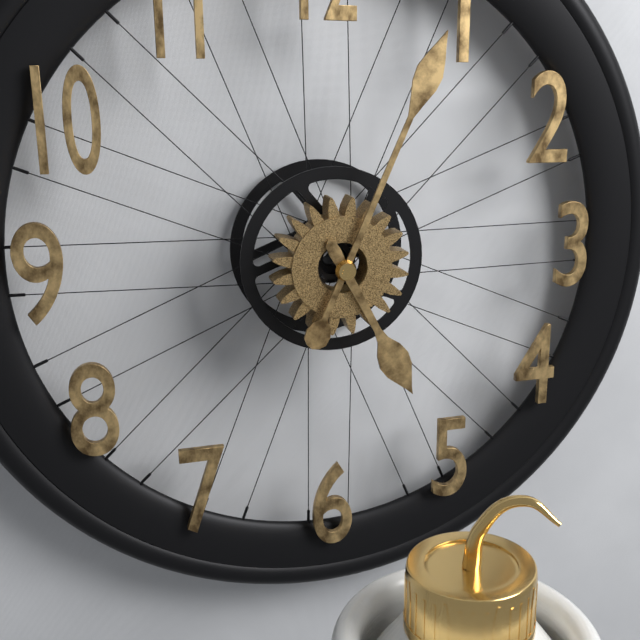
**5:04**
